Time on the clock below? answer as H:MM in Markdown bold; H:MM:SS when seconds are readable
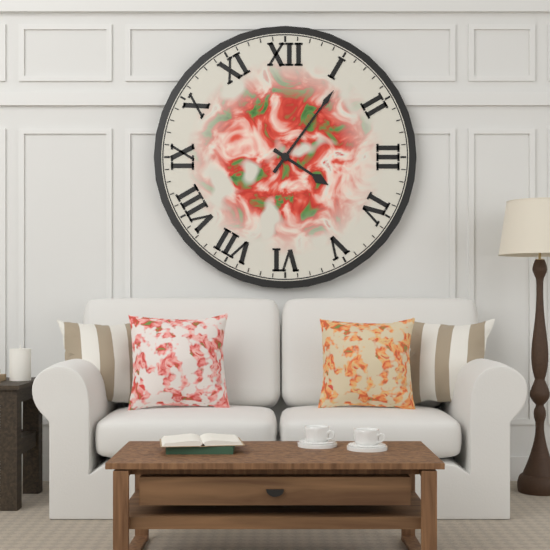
**4:06**
